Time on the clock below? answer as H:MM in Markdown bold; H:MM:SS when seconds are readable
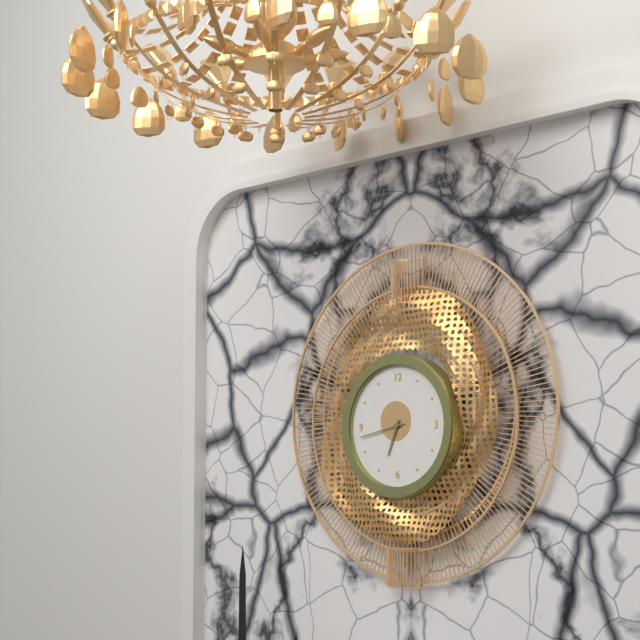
**6:43**
